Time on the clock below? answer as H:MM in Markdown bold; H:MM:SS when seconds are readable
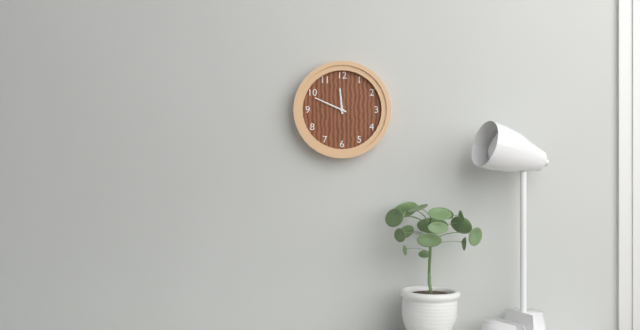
**11:49**
